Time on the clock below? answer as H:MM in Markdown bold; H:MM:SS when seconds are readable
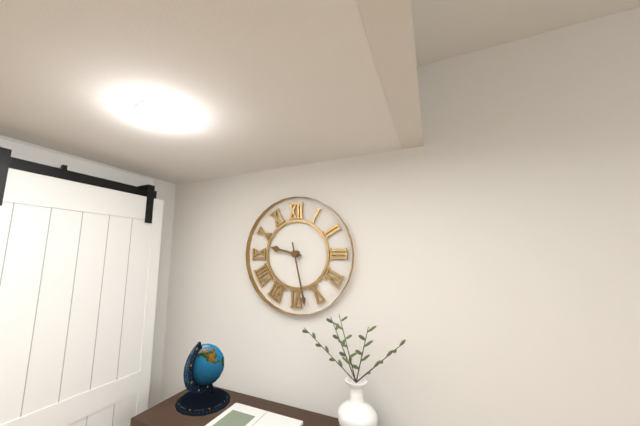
**9:28**
